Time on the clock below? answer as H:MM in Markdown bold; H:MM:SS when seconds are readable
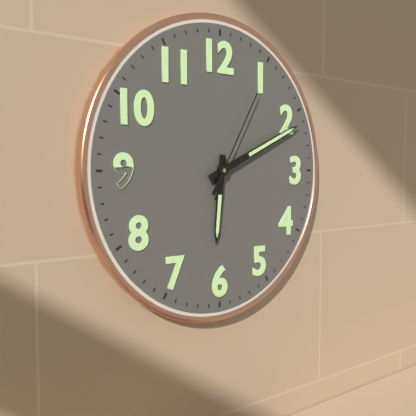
**6:11:05**
